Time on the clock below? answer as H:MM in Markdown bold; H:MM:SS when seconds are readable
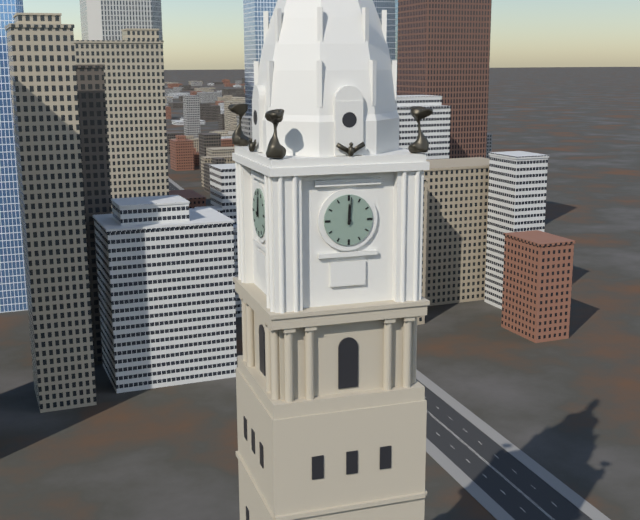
**12:01**
